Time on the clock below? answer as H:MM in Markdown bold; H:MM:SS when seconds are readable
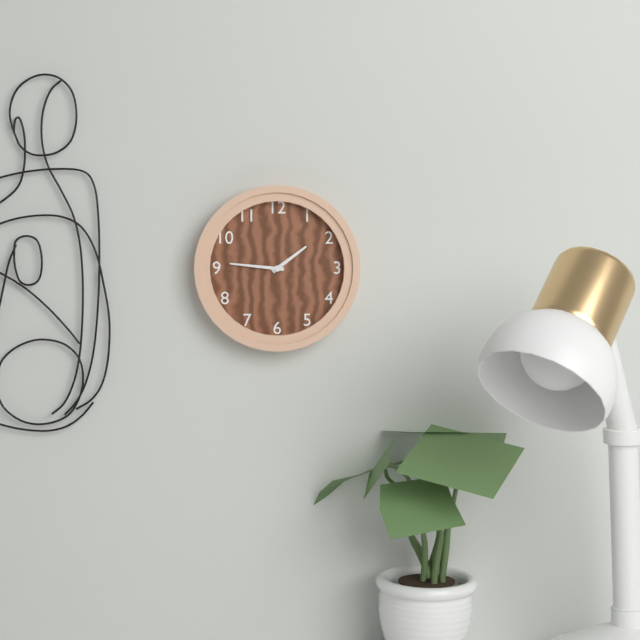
**1:46**
